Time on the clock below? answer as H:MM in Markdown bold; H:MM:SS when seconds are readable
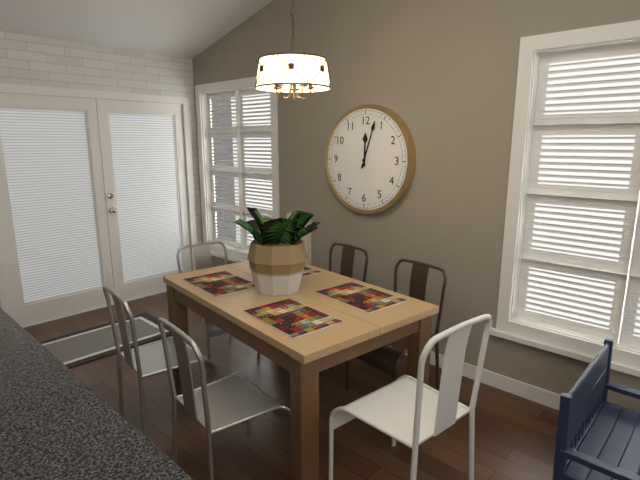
**12:03**
